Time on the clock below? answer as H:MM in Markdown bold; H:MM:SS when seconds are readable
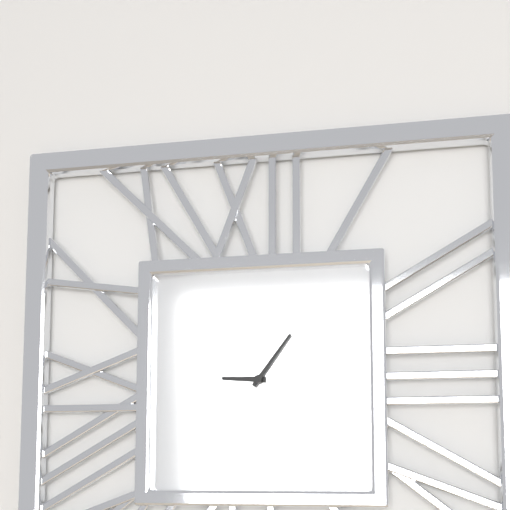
**9:06**
